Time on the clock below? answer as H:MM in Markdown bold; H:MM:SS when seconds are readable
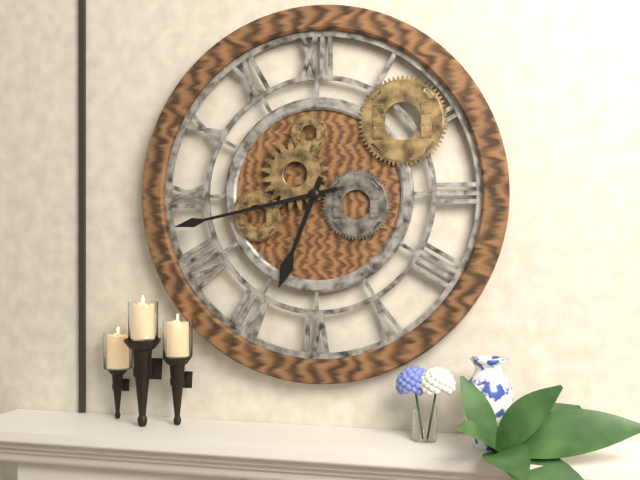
**6:43**
